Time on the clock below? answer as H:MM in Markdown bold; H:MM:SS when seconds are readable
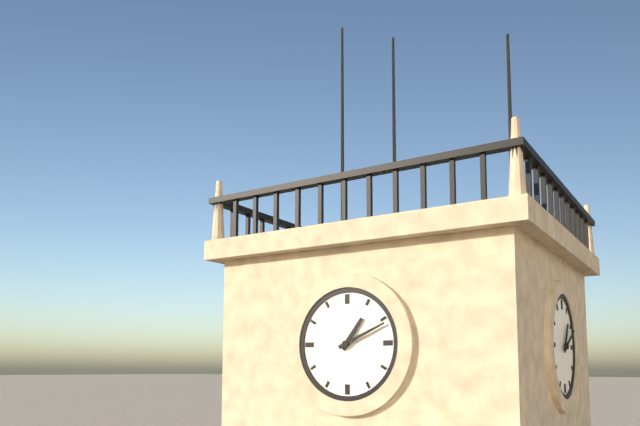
**1:11**
